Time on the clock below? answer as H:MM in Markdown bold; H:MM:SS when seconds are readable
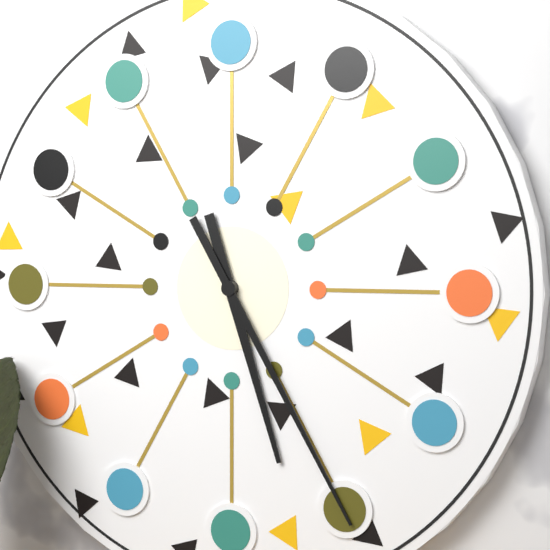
**5:25**
